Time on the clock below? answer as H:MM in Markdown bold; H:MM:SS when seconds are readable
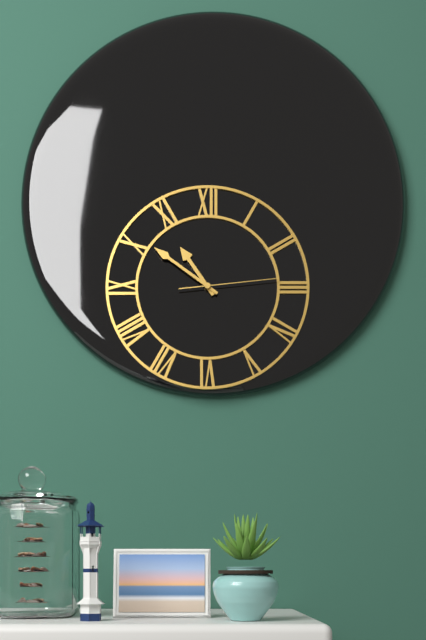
**10:51:14**
